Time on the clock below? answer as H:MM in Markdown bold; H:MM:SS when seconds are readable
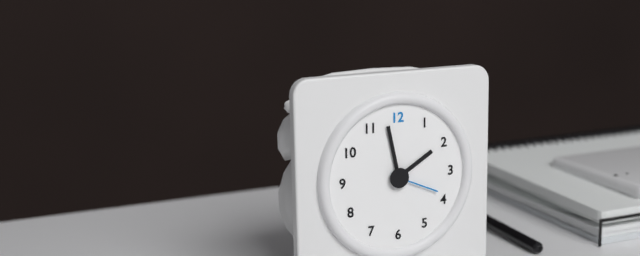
**1:58:19**
